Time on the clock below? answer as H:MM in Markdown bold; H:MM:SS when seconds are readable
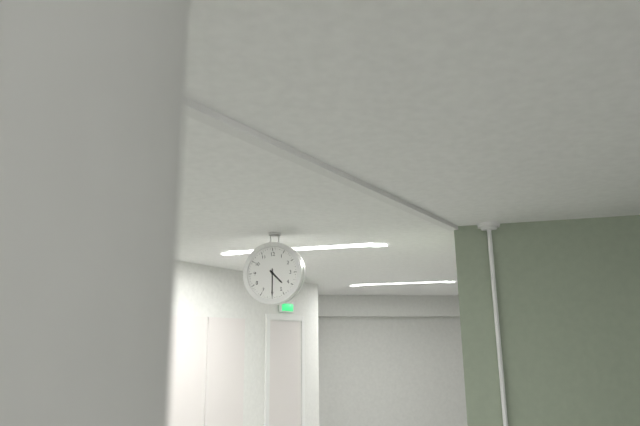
**4:30**
